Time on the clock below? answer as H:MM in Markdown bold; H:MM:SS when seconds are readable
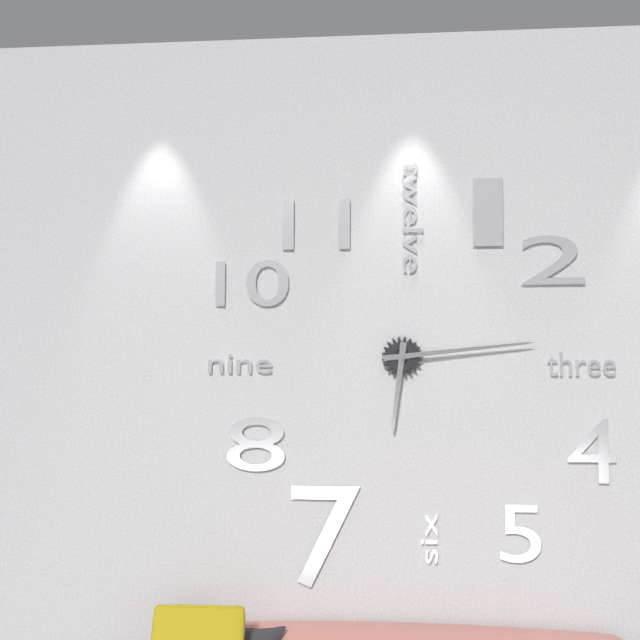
**6:14**
